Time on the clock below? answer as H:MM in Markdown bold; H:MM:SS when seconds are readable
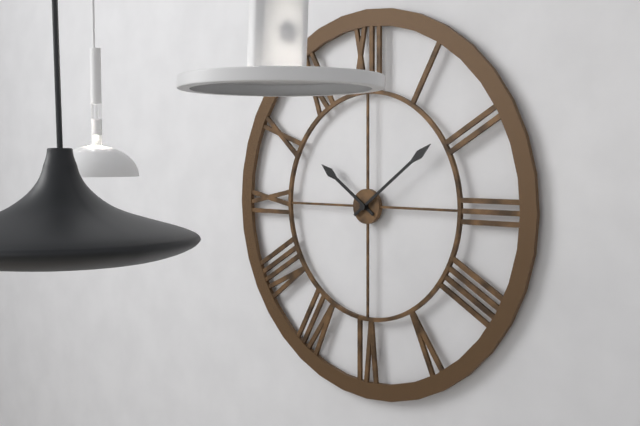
**10:09**
